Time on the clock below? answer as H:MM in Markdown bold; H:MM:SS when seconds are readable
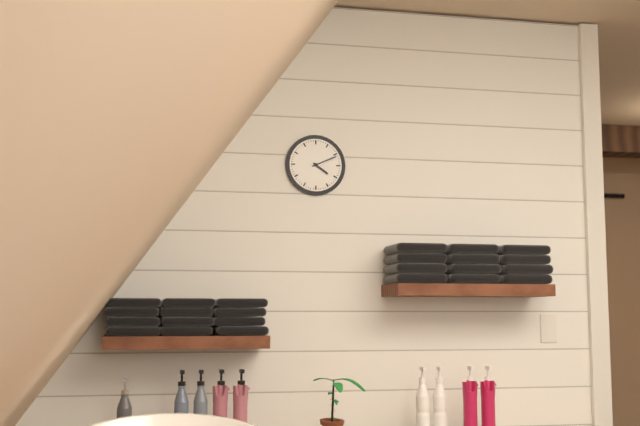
**4:11**
